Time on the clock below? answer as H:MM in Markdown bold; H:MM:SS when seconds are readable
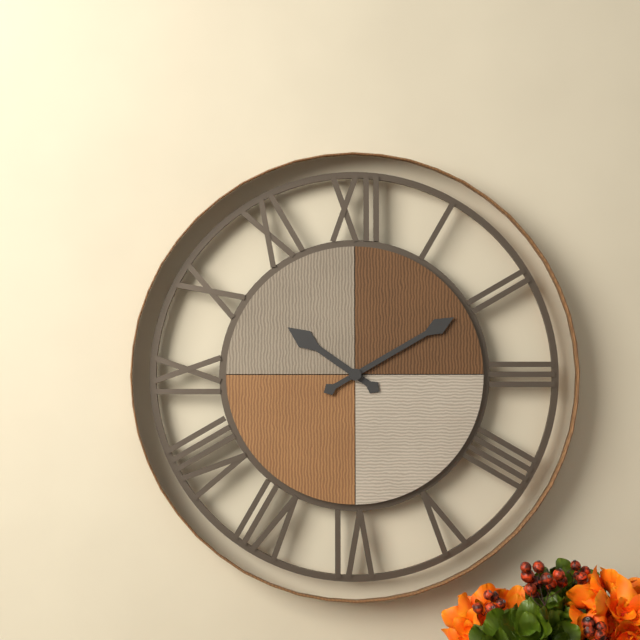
**10:10**
